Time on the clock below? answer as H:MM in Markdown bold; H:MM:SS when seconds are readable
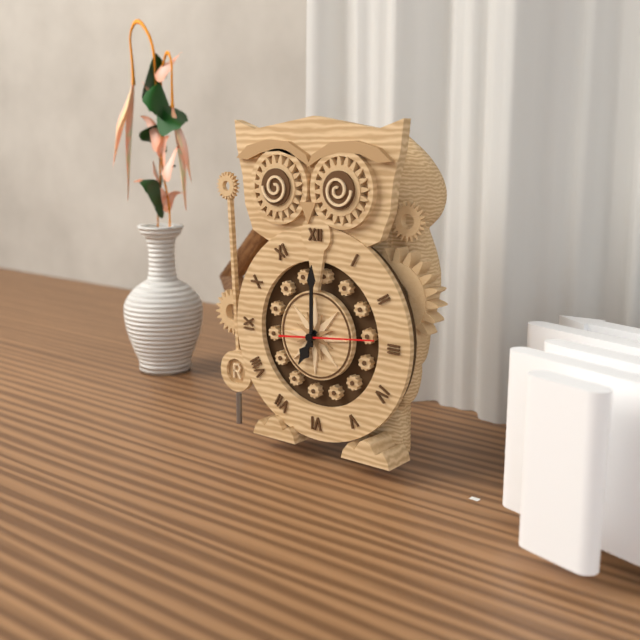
**7:00:14**
